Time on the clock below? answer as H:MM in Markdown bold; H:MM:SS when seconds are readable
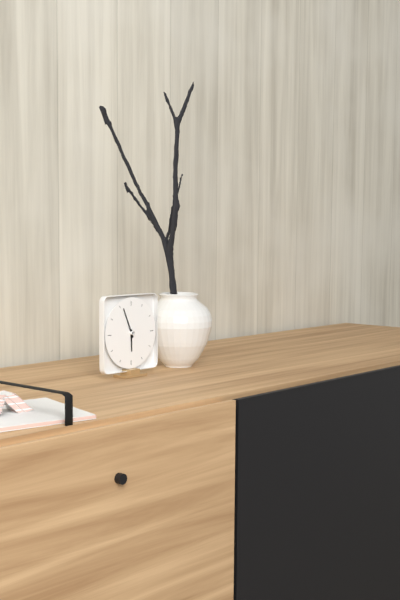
**5:56**
